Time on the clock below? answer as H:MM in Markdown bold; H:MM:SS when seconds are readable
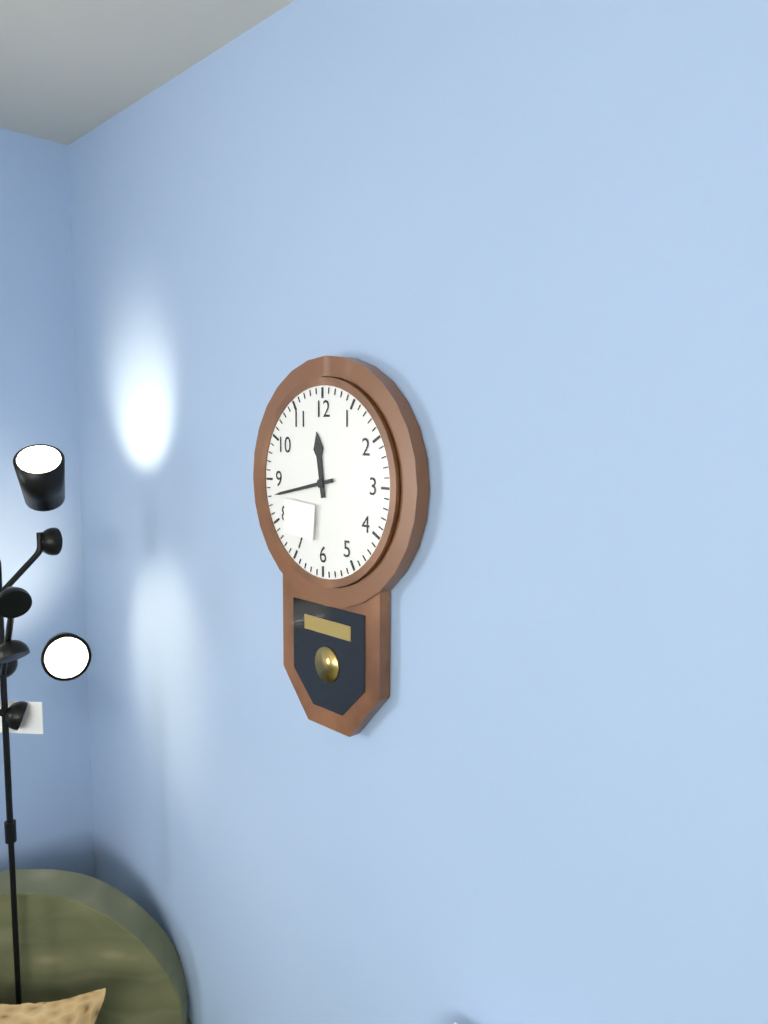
**11:43**
